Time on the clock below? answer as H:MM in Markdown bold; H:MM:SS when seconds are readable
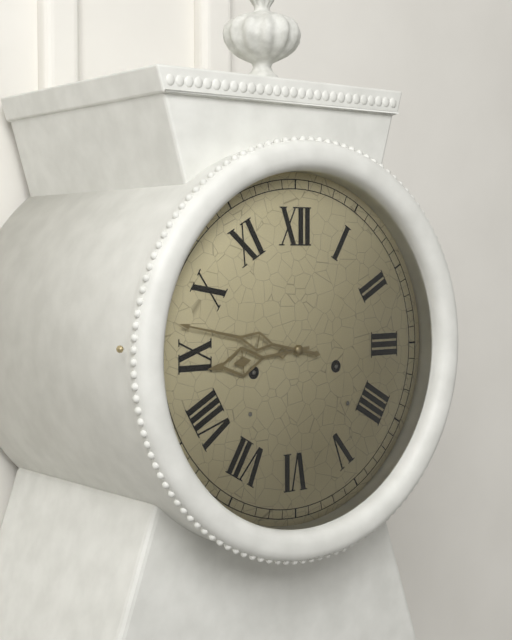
**8:47**
